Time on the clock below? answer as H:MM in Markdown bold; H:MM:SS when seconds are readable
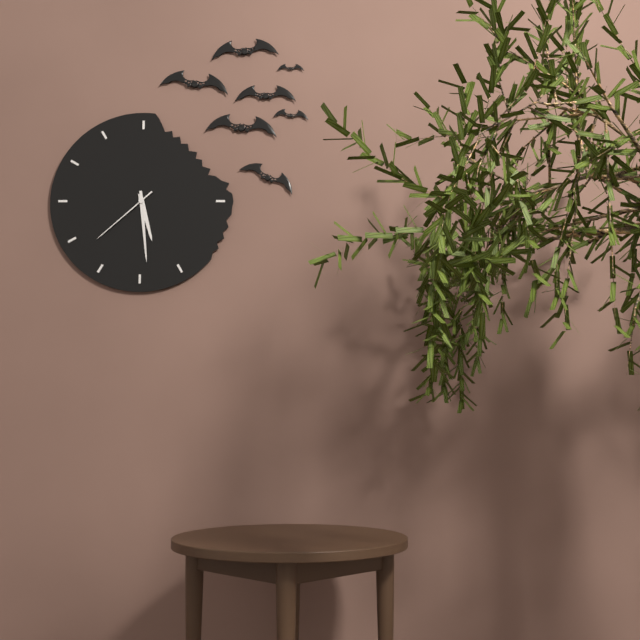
**5:29:38**
